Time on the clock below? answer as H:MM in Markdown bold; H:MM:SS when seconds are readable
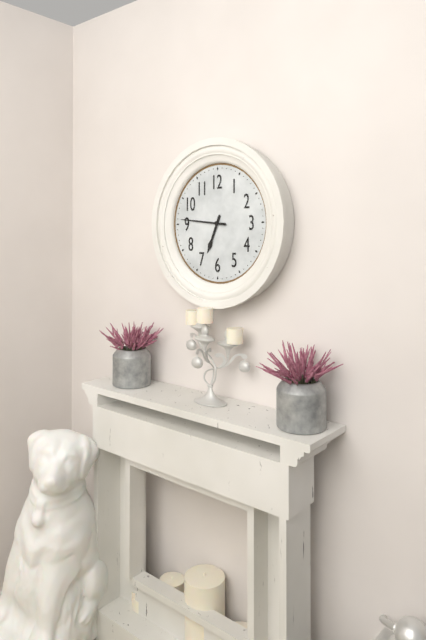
**6:46**
